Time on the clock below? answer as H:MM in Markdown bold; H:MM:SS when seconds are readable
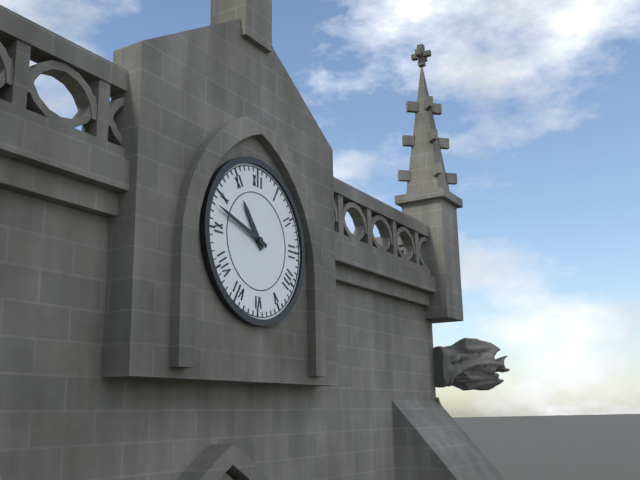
**10:48**
